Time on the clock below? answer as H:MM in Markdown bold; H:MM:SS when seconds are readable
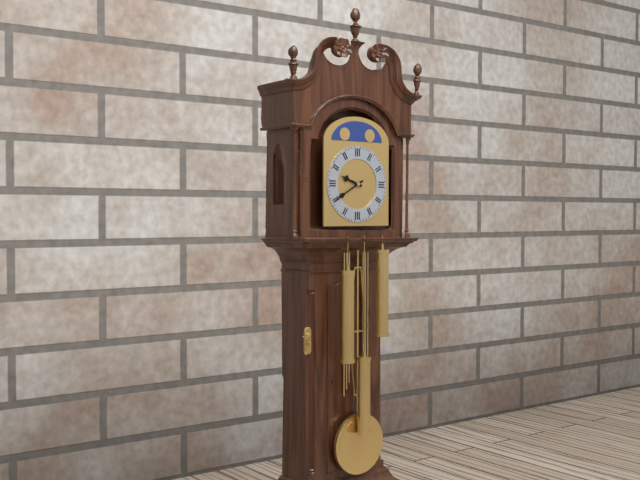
**9:40**
